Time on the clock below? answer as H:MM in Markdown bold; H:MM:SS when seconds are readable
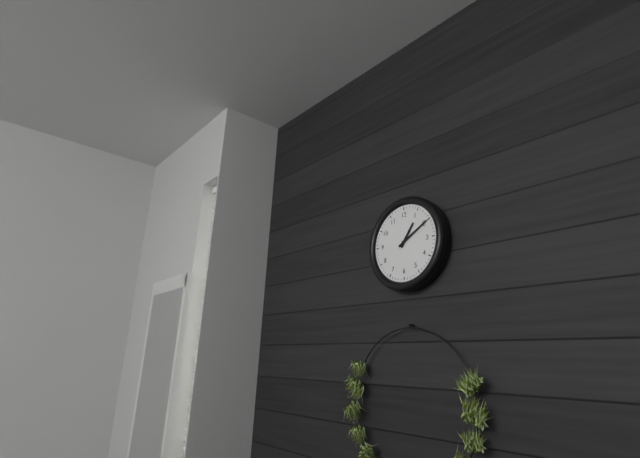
**1:10**
